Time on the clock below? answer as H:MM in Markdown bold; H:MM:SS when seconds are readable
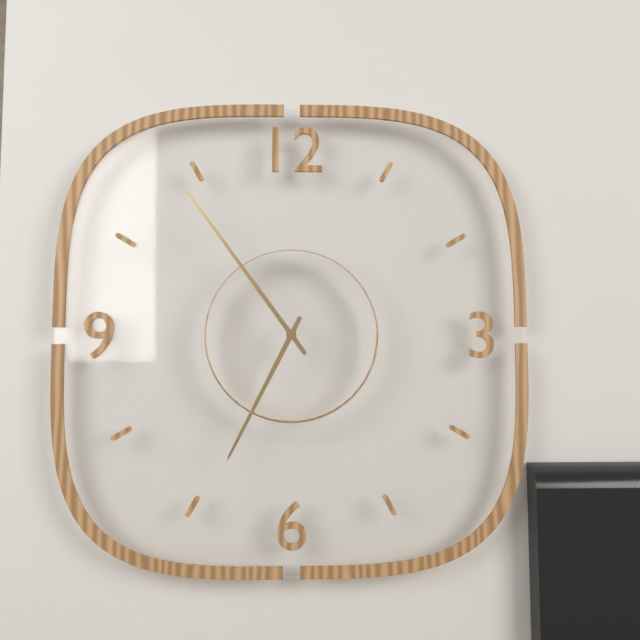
**6:54**
